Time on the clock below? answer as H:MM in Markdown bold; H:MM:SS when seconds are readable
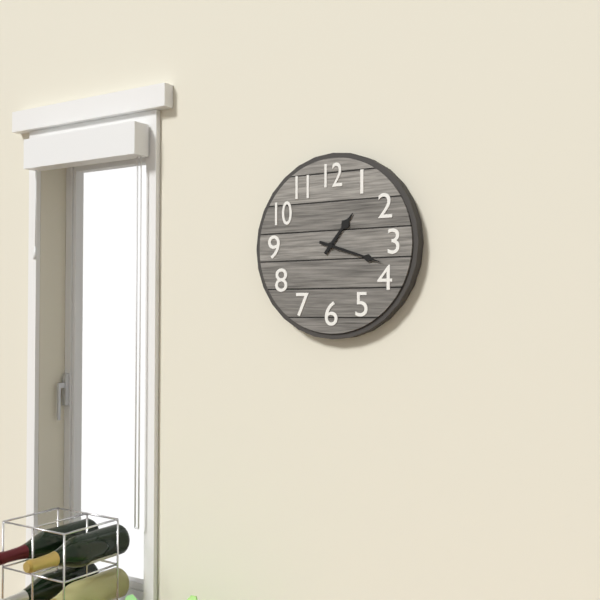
**1:18**
